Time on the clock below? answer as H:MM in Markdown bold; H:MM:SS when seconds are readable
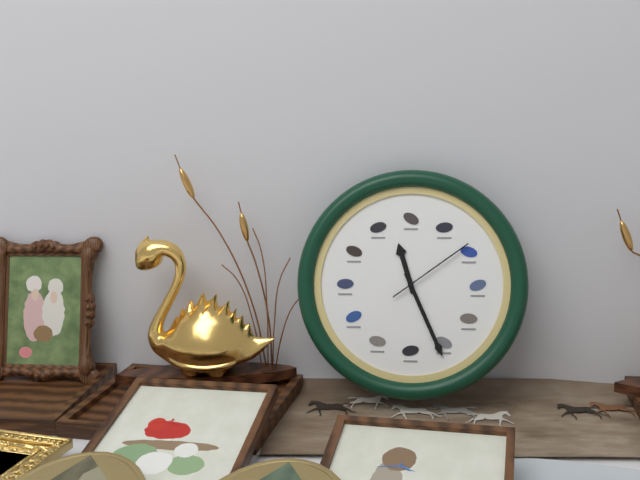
**11:26:09**
